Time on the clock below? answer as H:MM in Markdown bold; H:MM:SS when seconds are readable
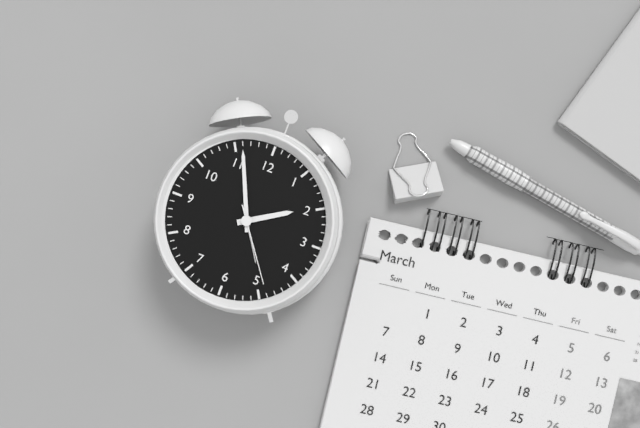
**1:56:24**
